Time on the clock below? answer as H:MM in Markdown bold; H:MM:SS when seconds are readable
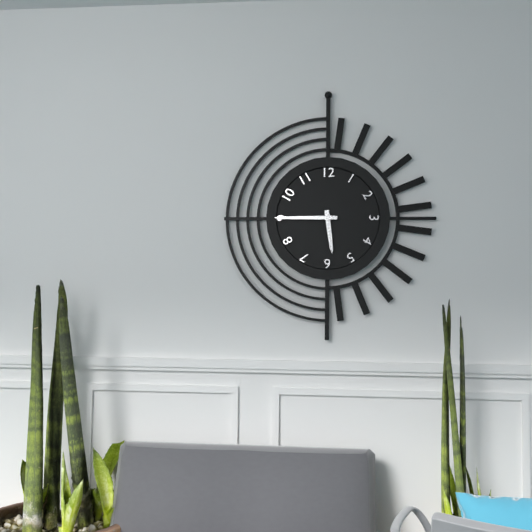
**5:45**
